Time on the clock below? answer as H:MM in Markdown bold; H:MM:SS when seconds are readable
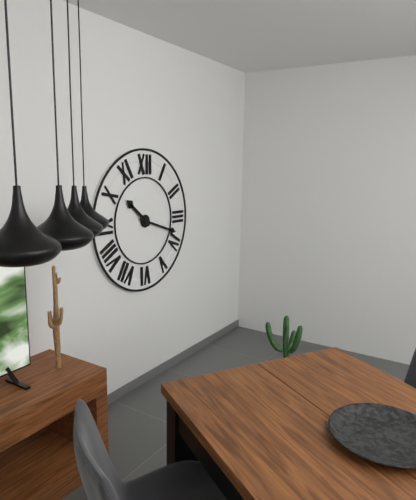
**10:18**
